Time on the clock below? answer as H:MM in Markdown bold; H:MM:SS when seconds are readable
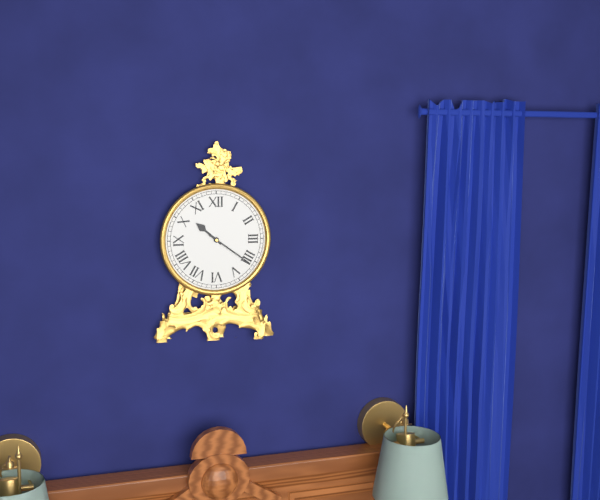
**10:21**
